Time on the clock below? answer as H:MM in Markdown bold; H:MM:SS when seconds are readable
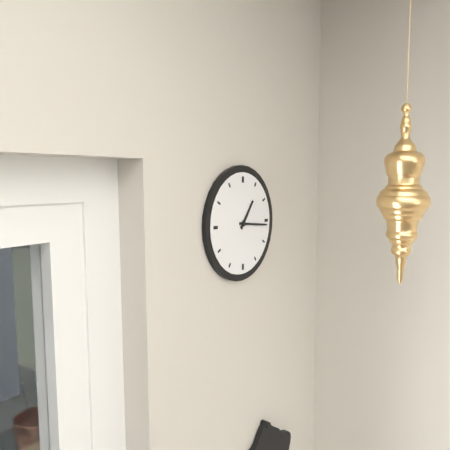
**1:16**
